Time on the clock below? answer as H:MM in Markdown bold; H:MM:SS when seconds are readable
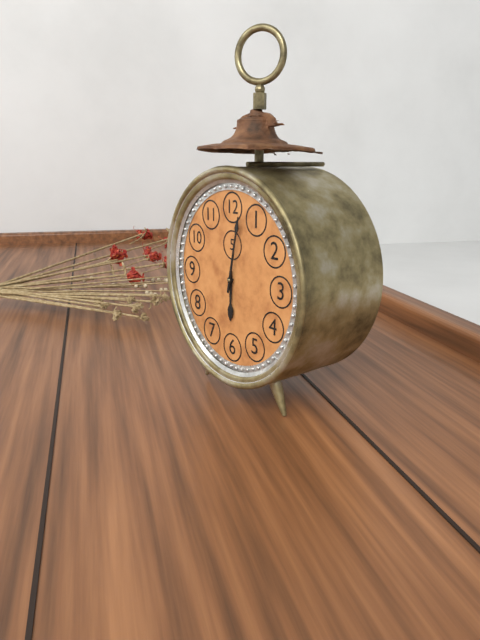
**6:02**
